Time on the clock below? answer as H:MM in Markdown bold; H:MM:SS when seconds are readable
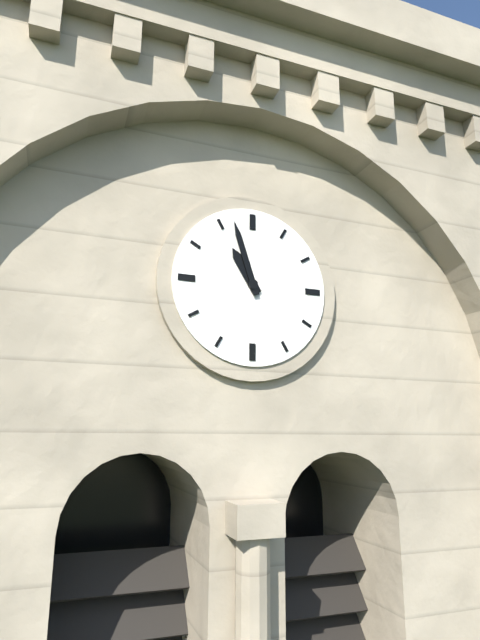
**10:57**
